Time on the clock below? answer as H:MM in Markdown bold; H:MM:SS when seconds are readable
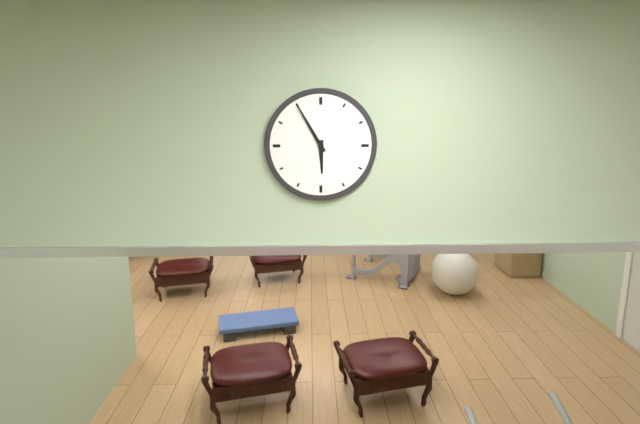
**5:55**
